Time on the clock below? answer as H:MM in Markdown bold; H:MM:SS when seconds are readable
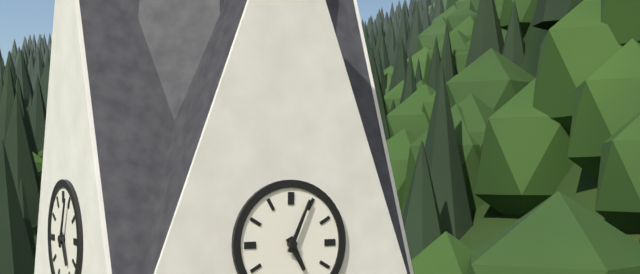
**5:04**
